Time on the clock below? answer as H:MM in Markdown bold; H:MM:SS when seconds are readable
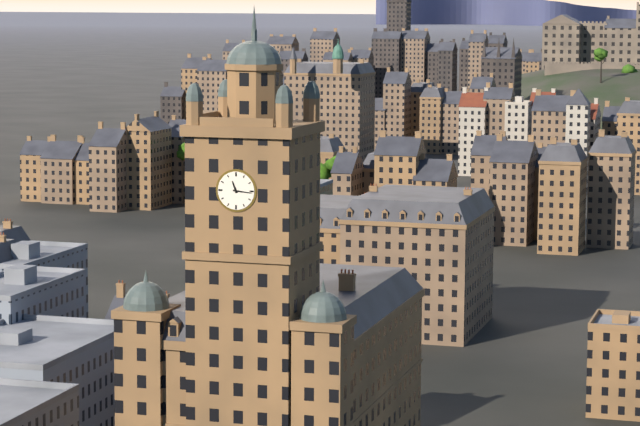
**11:16**
